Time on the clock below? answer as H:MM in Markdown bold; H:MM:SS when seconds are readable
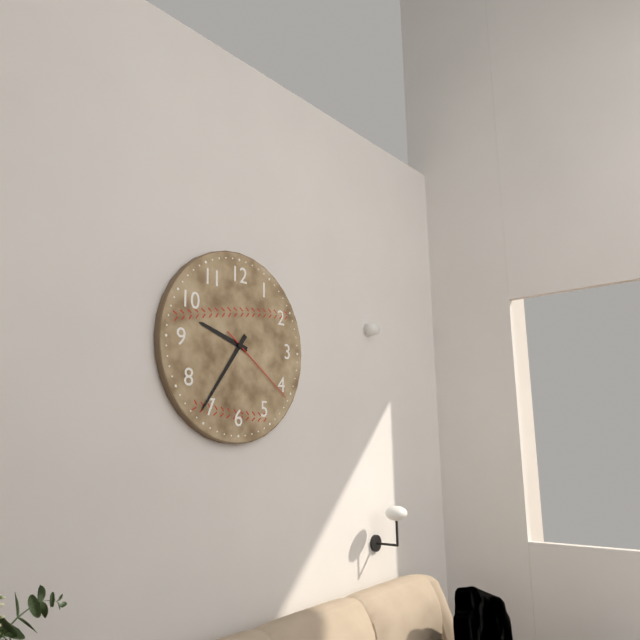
**9:36:21**
